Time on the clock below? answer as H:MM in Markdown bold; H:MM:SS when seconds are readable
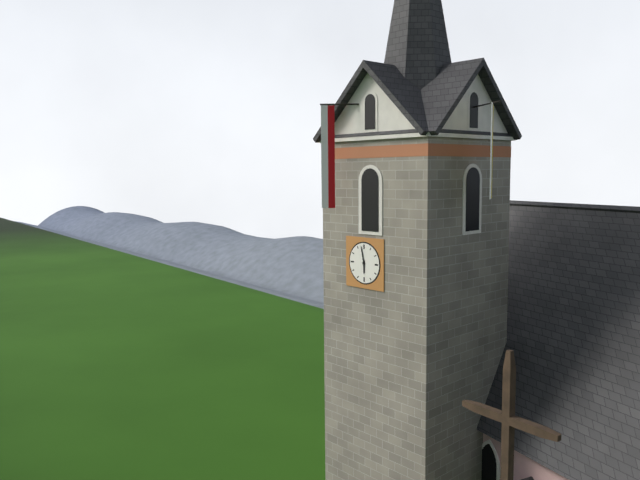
**5:58**
